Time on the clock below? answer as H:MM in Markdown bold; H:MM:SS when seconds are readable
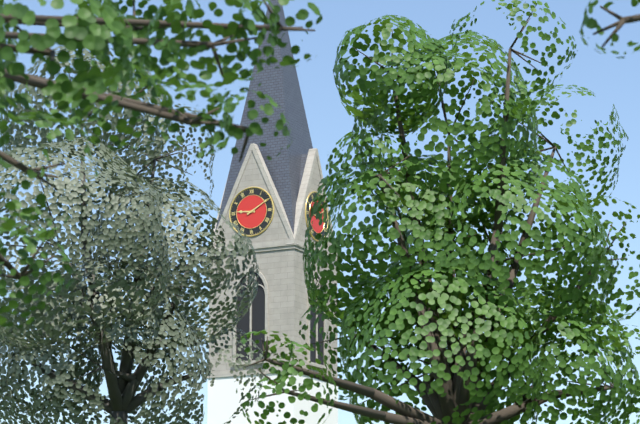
**9:10**
